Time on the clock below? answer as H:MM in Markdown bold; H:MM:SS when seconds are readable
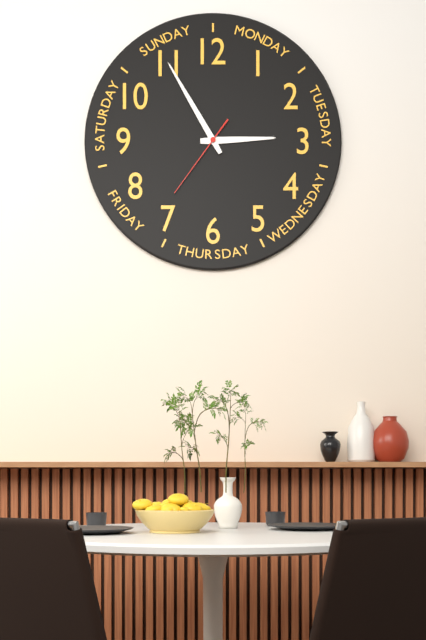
**2:55:36**
